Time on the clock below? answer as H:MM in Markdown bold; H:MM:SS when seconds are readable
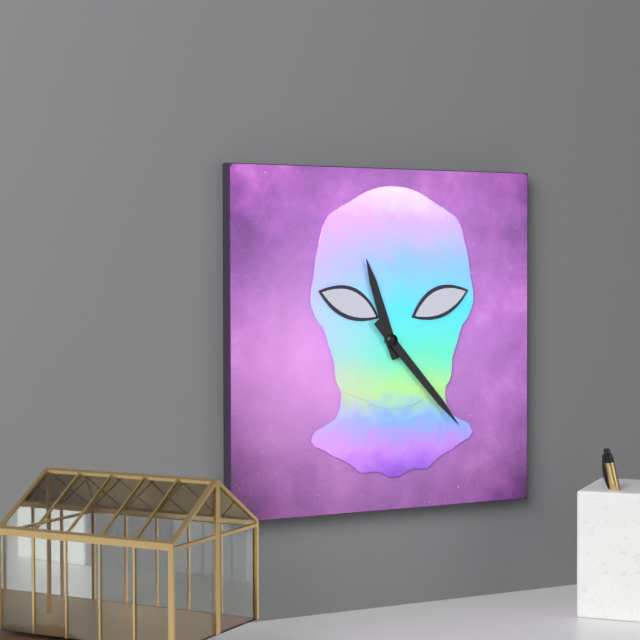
**11:23**
